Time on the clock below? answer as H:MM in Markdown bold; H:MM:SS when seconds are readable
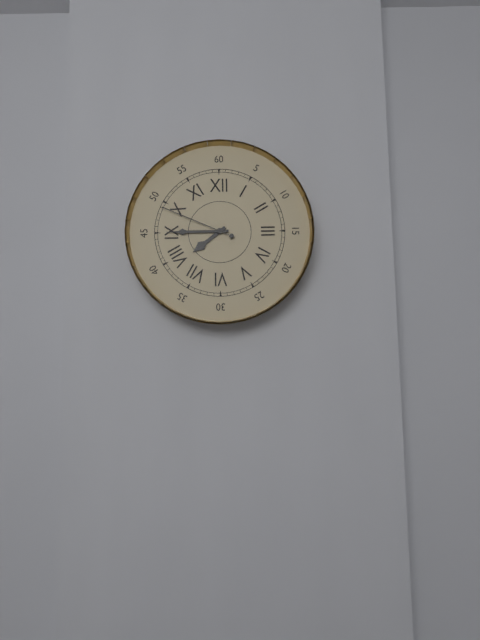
**7:45:49**
